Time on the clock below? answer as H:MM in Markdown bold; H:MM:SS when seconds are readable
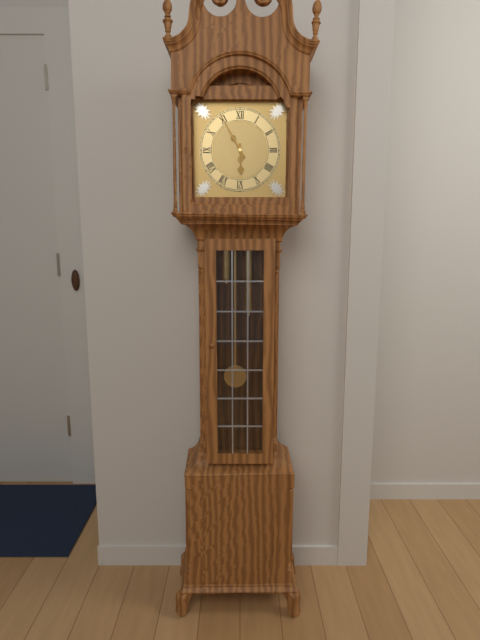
**5:55**
